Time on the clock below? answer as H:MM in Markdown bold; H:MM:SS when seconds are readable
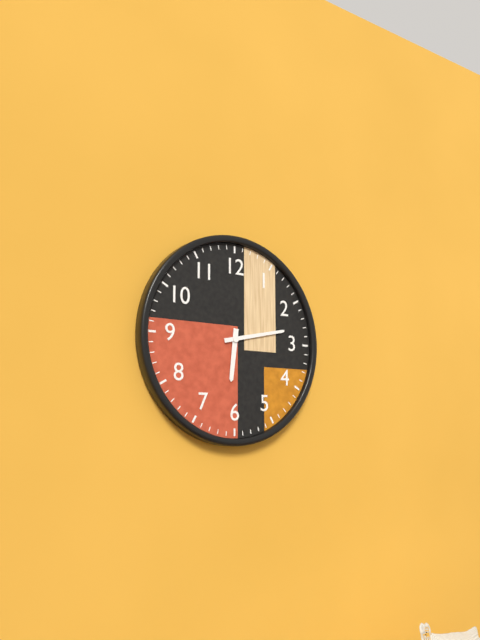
**6:13**
